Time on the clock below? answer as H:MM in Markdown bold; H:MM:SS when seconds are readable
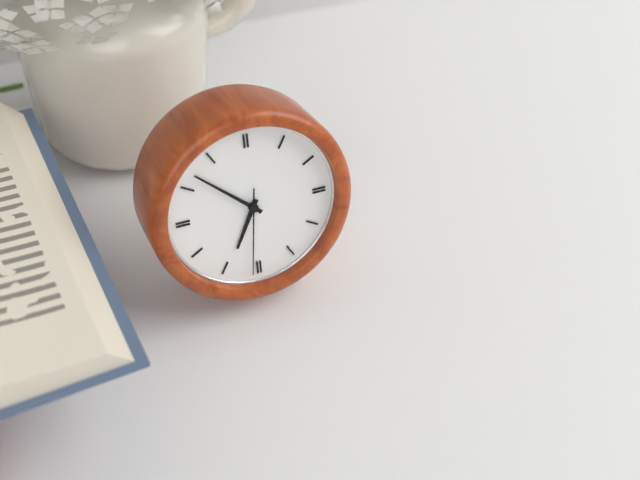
**6:52:31**
